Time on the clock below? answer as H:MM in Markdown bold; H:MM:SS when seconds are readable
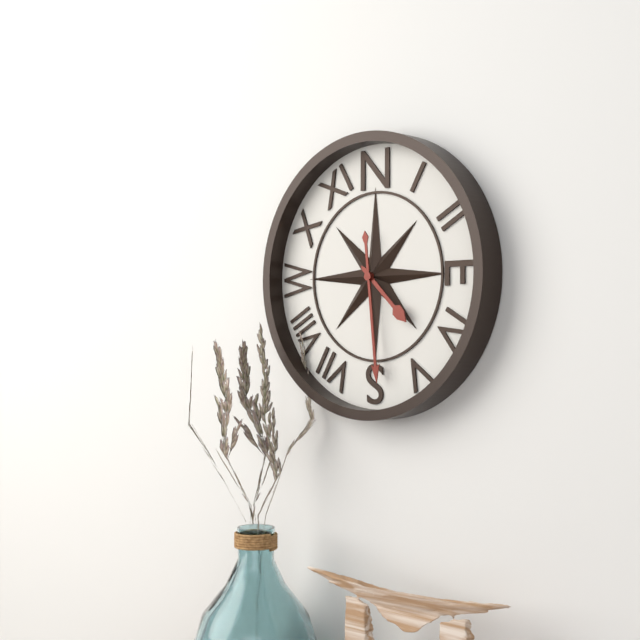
**4:29**
